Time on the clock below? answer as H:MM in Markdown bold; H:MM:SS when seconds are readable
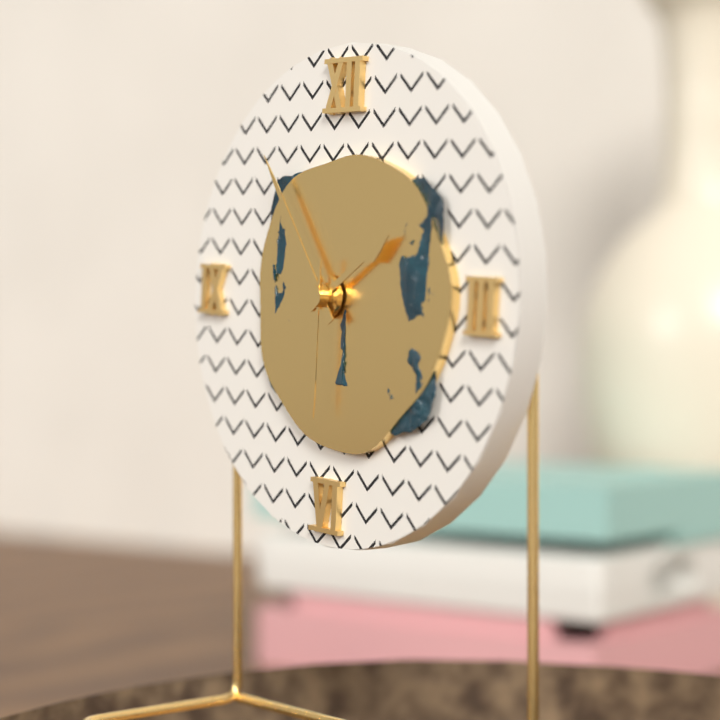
**1:54:30**
